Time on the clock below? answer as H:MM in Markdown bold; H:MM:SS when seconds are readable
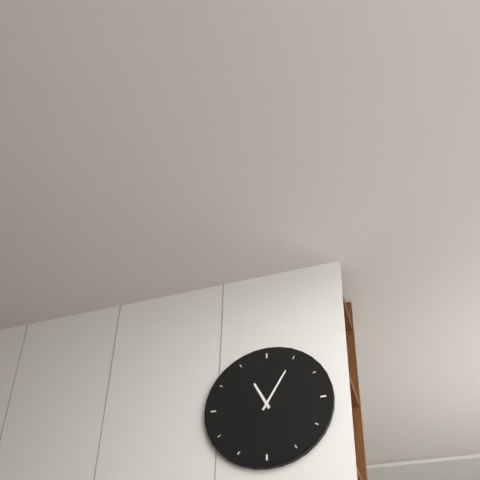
**11:05**
